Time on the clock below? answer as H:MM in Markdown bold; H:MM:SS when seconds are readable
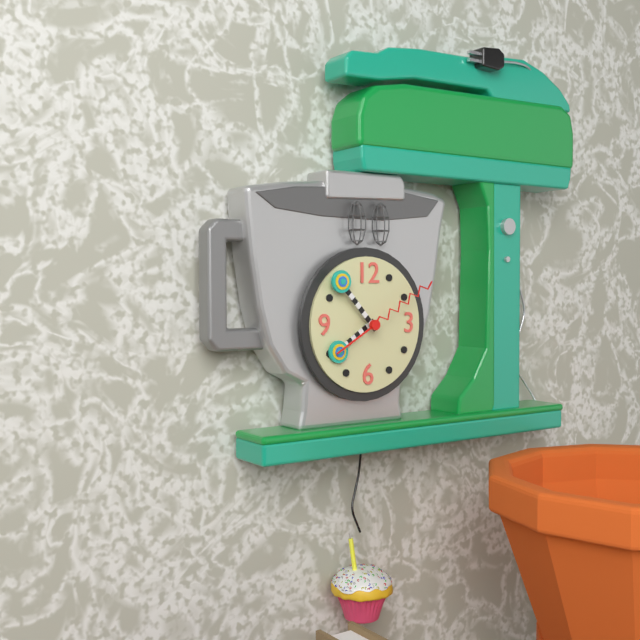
**7:53:10**
